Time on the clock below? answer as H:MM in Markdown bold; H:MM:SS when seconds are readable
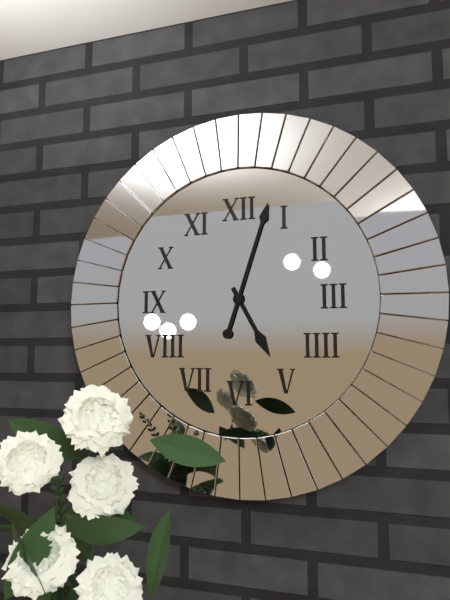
**5:03**
